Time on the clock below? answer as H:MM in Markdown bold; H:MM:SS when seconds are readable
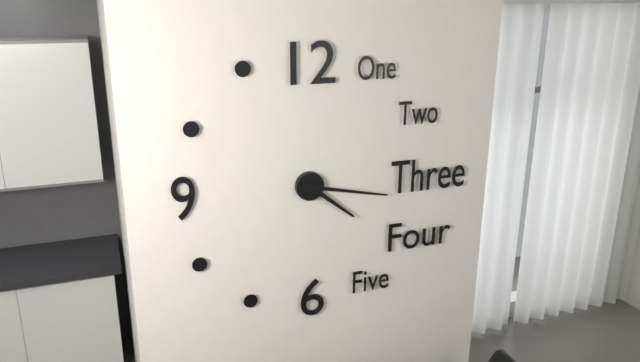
**4:17**
